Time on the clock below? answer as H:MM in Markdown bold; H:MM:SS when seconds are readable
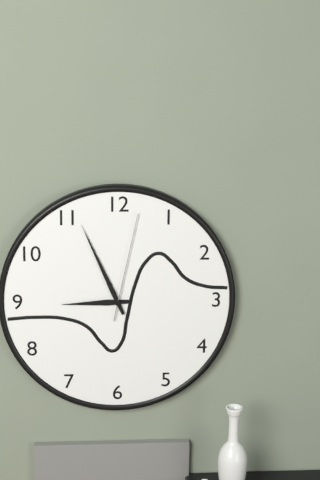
**8:56:02**
